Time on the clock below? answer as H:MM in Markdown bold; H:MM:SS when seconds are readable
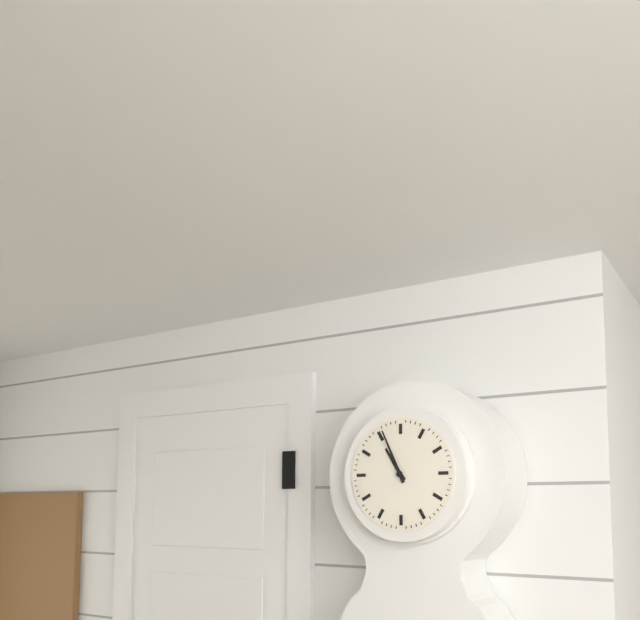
**10:56**
